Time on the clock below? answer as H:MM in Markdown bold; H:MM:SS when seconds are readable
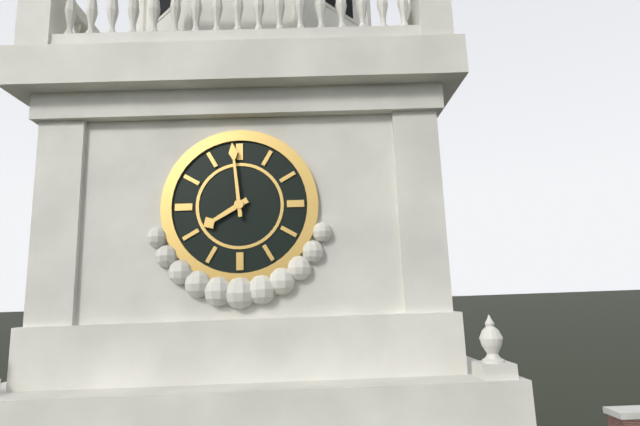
**7:59**
